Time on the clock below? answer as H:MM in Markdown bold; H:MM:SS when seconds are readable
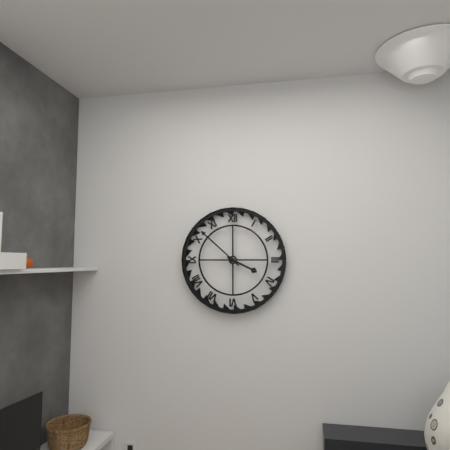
**3:52**
